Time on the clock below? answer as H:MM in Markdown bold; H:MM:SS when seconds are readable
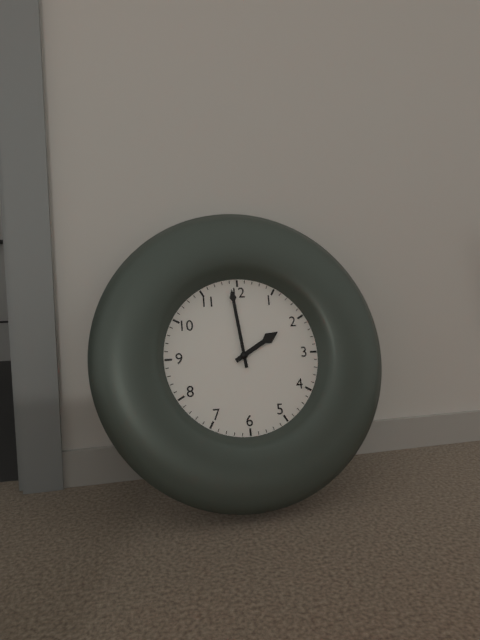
**1:59**
